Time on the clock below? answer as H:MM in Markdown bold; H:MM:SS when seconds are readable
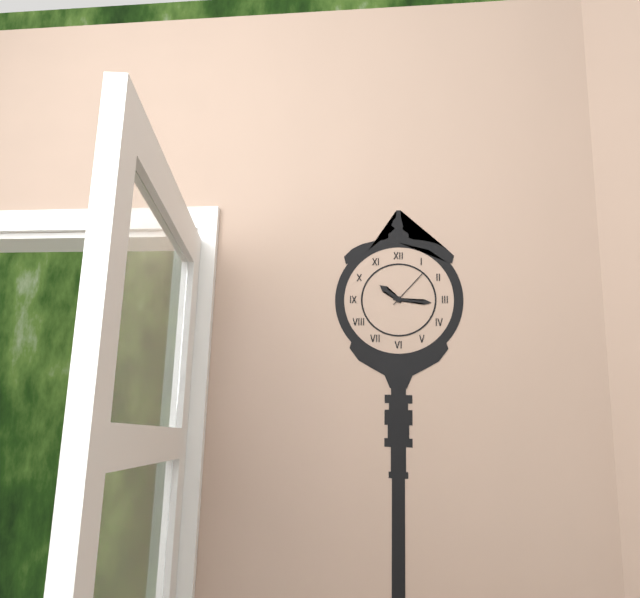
**10:16**
